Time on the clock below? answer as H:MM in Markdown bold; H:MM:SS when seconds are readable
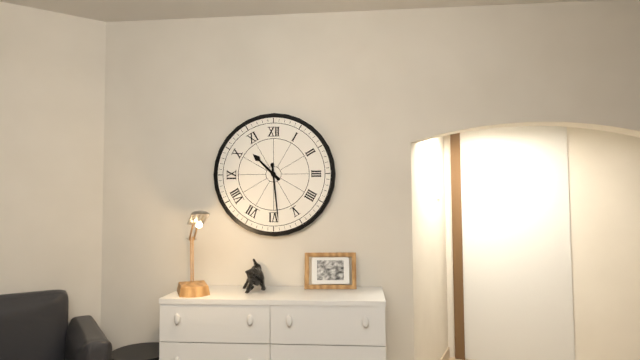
**10:29**
